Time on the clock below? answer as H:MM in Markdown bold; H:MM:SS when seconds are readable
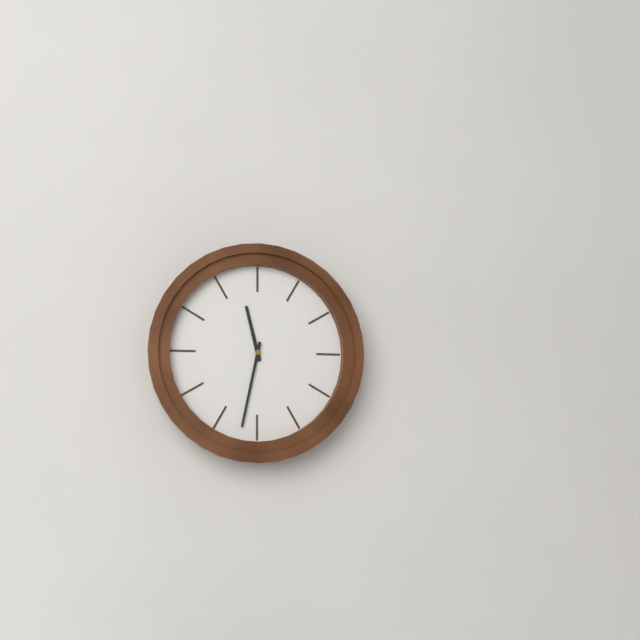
**11:32**
